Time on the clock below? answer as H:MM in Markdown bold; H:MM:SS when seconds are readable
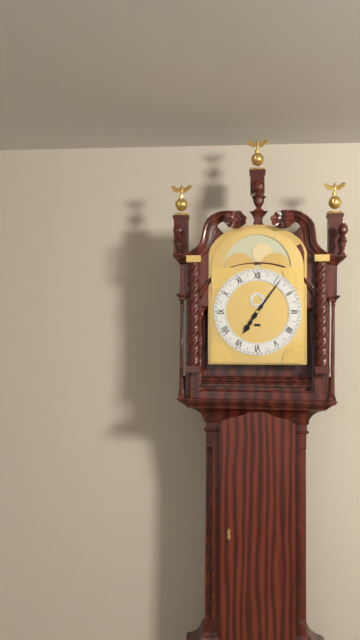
**7:06**
